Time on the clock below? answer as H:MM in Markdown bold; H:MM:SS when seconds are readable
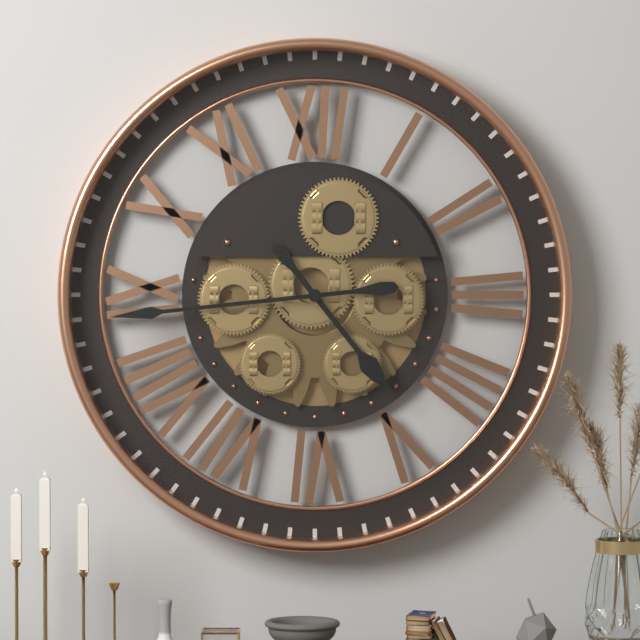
**4:44**
